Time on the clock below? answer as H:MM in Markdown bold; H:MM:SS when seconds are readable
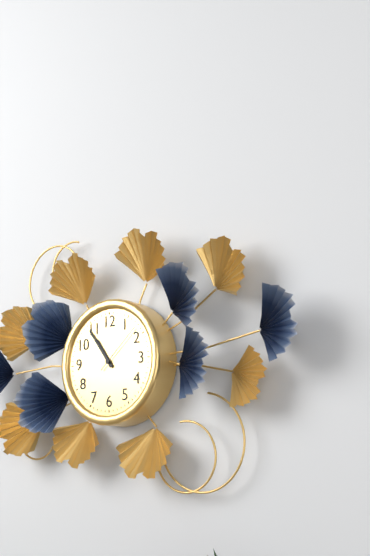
**10:54:08**
